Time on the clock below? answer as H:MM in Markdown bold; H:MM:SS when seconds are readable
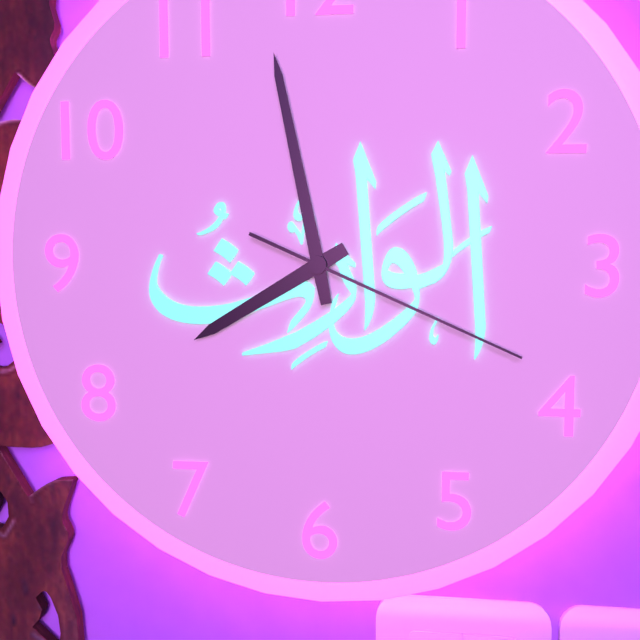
**7:58:19**
